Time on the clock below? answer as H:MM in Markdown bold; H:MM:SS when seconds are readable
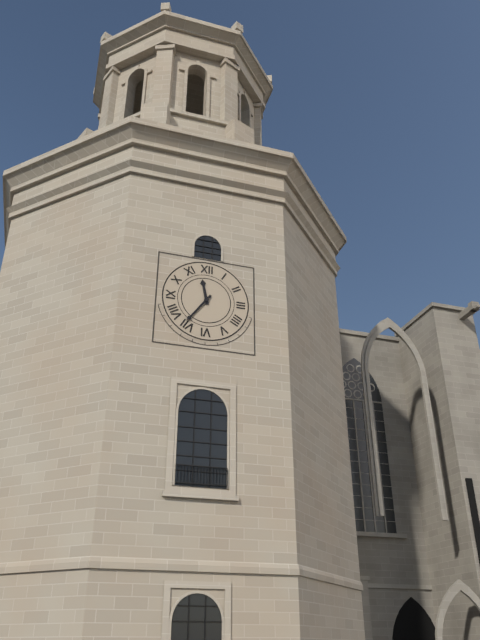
**11:36**
